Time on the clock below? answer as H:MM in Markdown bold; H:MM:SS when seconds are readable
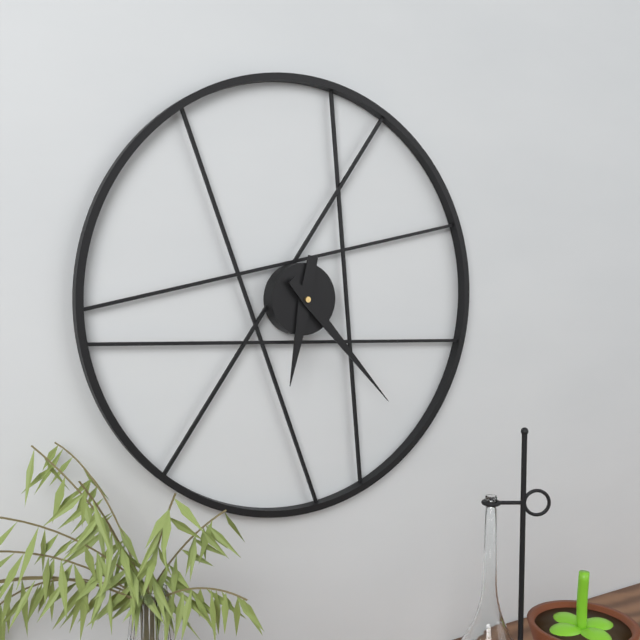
**6:23**
